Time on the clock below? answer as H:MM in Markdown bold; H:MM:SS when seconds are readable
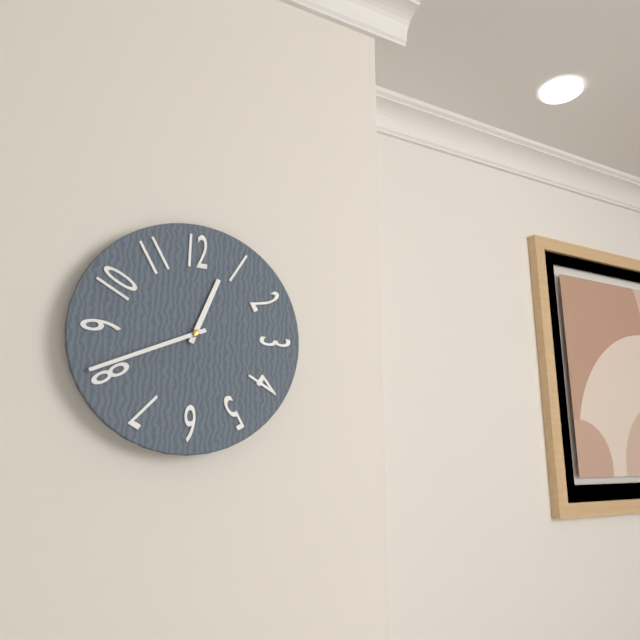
**12:41**
